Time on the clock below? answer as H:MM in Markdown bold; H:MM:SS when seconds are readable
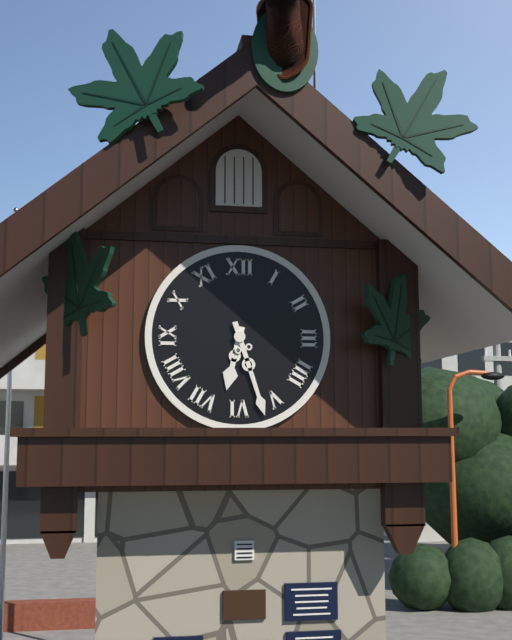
**6:27**
